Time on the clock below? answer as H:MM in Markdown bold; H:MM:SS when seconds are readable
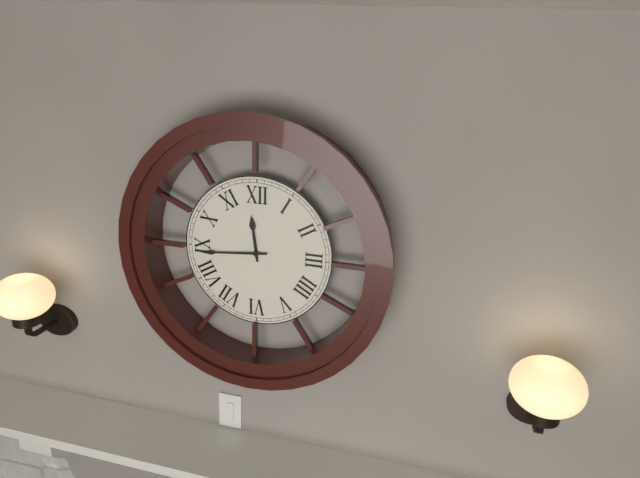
**11:44**
